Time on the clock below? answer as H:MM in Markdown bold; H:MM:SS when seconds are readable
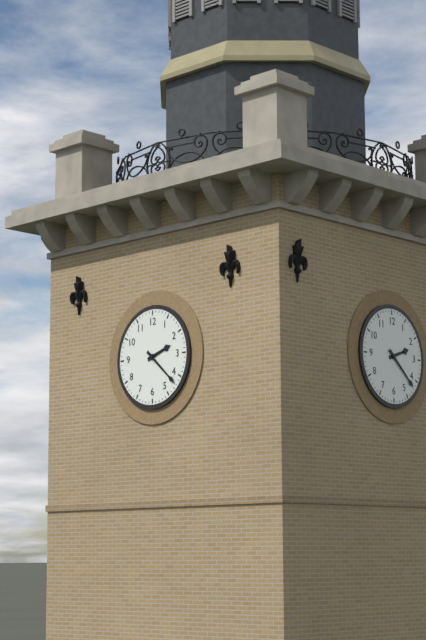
**2:22**
